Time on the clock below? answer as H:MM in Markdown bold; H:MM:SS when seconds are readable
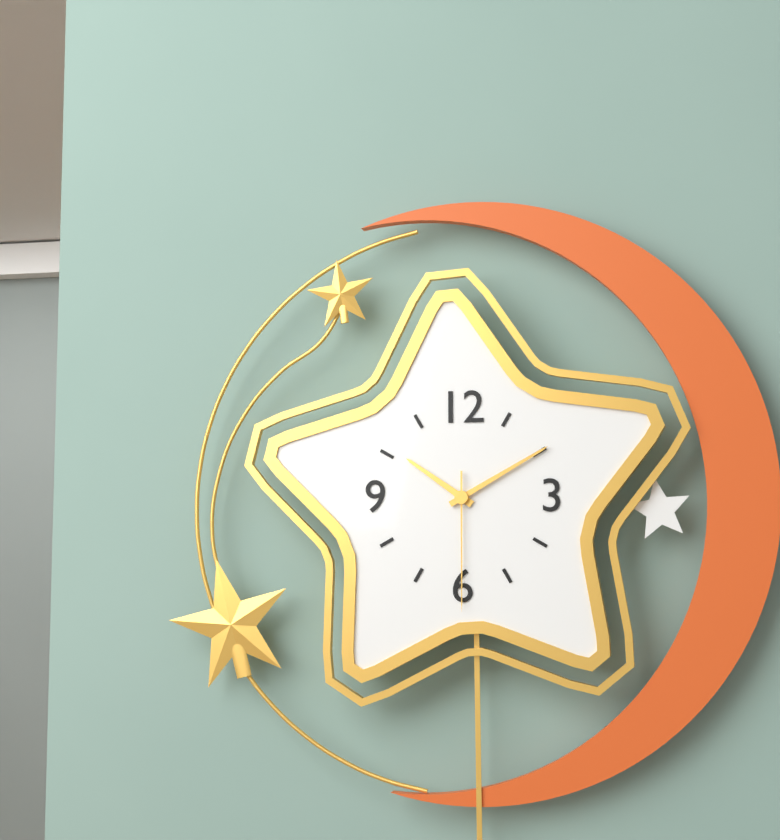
**10:10:30**
